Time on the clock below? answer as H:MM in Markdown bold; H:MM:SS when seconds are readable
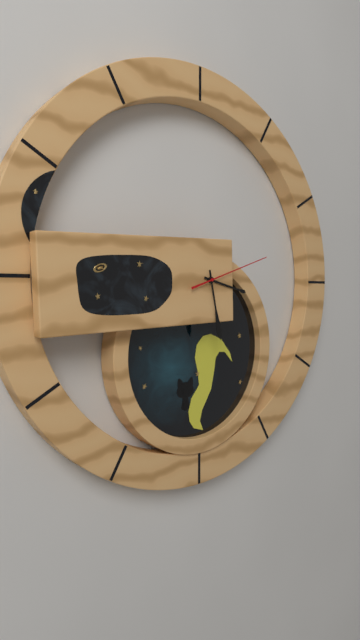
**3:28:12**
